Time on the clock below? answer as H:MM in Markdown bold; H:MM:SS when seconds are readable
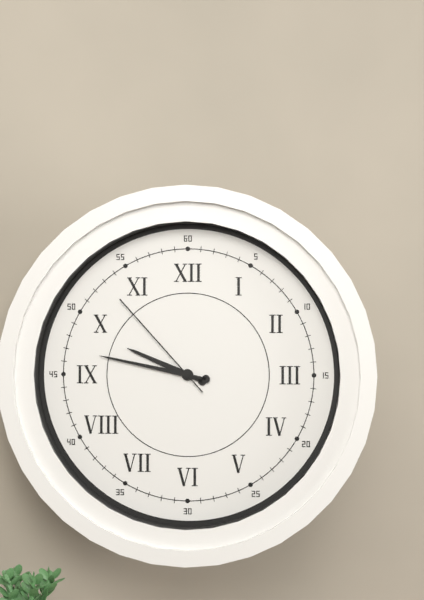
**9:47:53**
